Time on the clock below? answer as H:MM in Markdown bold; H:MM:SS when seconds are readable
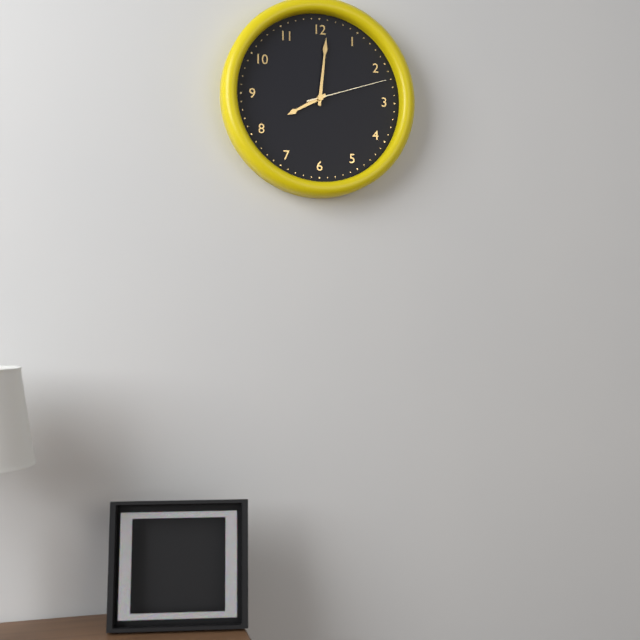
**8:01:12**
